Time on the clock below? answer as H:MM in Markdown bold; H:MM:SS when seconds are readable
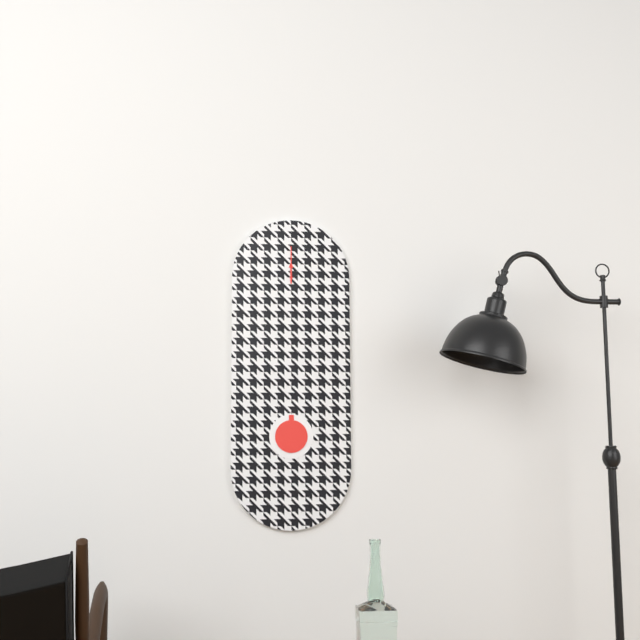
**12:00**
